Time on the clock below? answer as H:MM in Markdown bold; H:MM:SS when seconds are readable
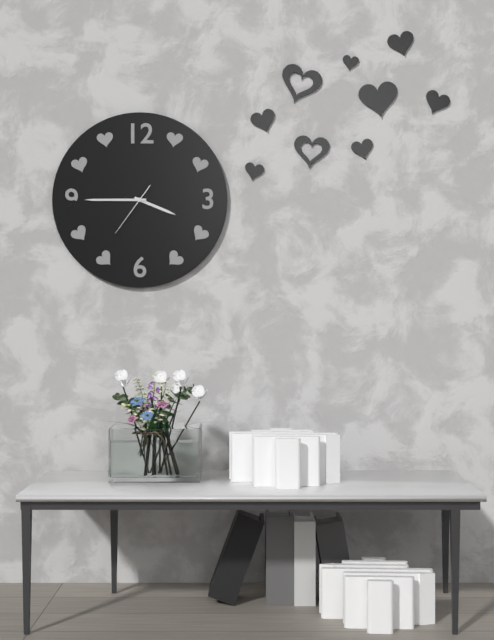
**3:45:36**
